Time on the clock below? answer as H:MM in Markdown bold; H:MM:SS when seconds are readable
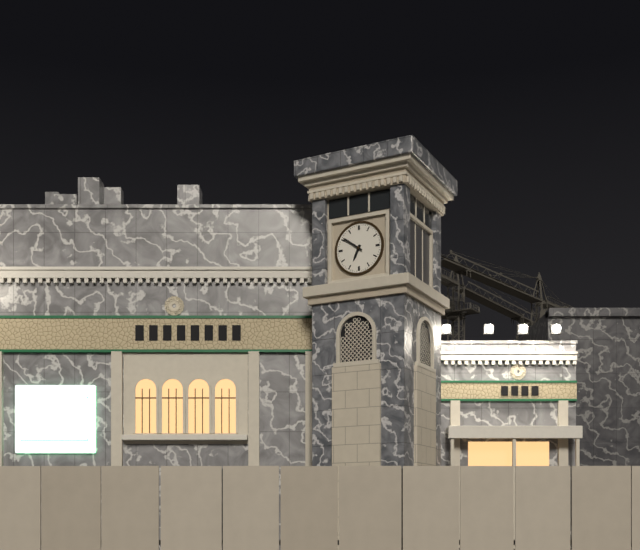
**6:51**
